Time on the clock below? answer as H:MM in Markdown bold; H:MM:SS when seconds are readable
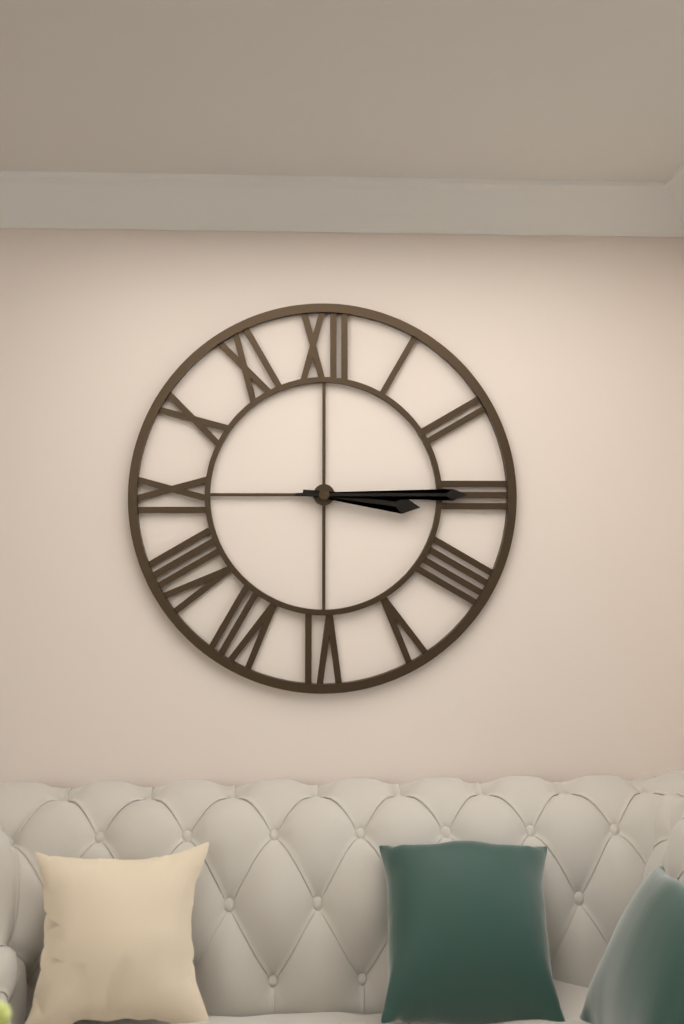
**3:15**
